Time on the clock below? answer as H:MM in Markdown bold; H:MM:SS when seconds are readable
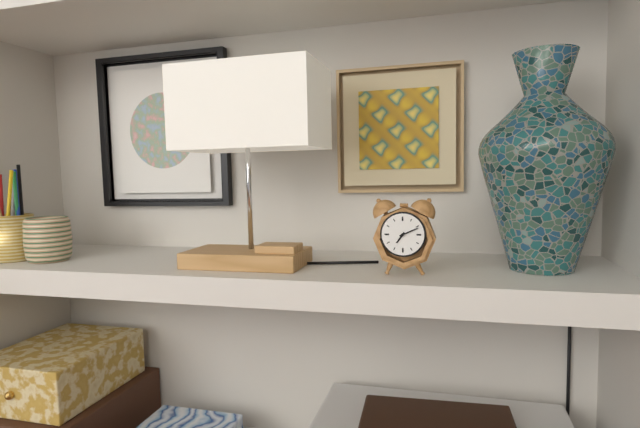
**7:11**
